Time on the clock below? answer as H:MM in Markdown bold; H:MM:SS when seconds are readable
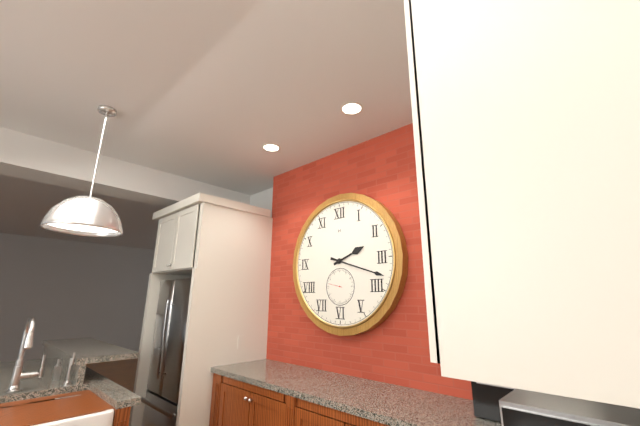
**2:18**
